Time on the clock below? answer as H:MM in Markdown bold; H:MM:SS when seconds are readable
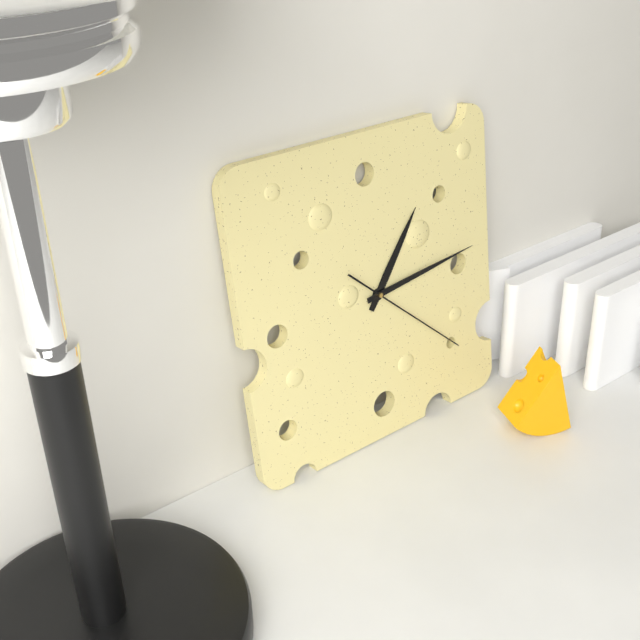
**1:14:22**
